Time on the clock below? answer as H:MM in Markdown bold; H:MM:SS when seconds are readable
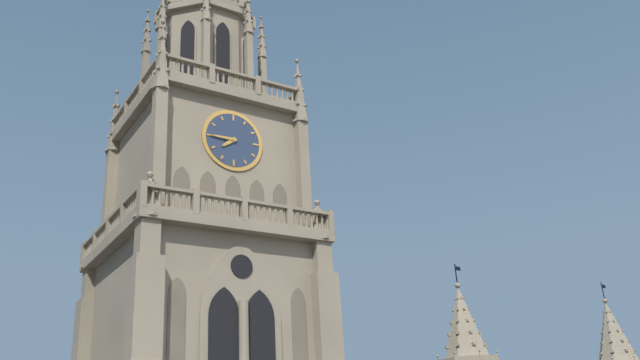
**7:45**
